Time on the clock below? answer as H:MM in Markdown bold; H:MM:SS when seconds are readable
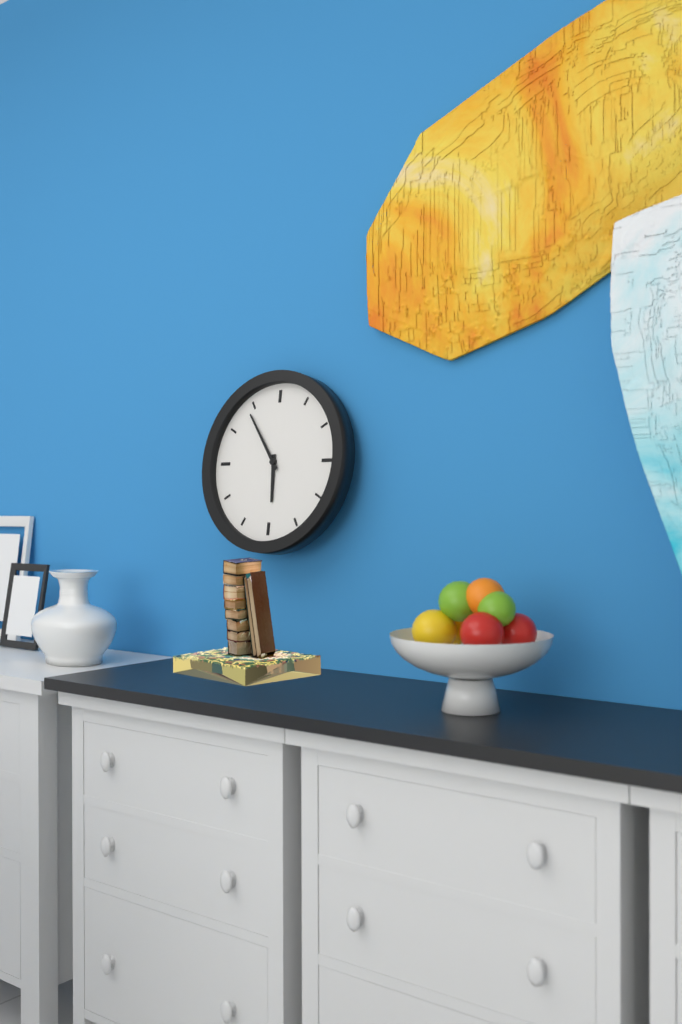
**5:54**
